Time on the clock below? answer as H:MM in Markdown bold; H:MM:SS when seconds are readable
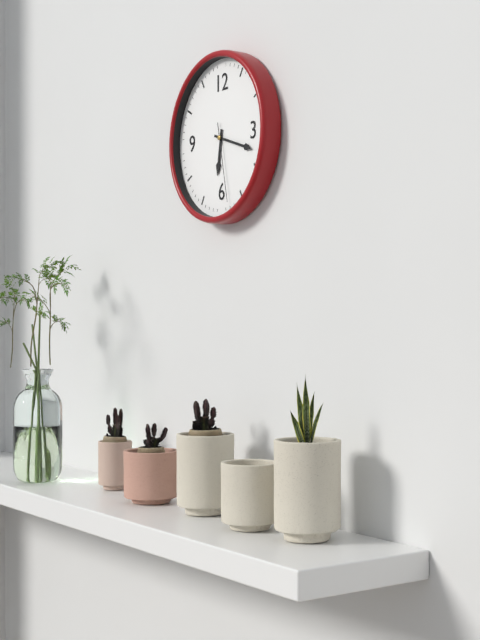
**6:18:28**
